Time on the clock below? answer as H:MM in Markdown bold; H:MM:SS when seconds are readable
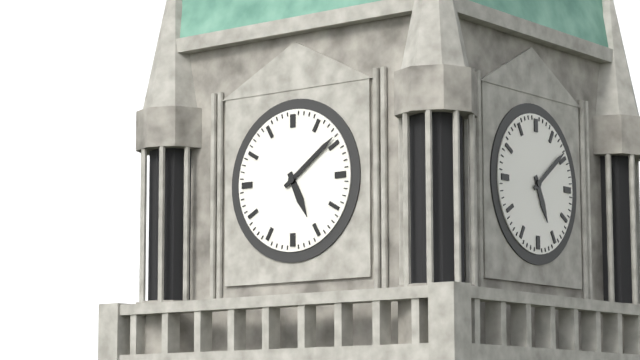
**5:09**
